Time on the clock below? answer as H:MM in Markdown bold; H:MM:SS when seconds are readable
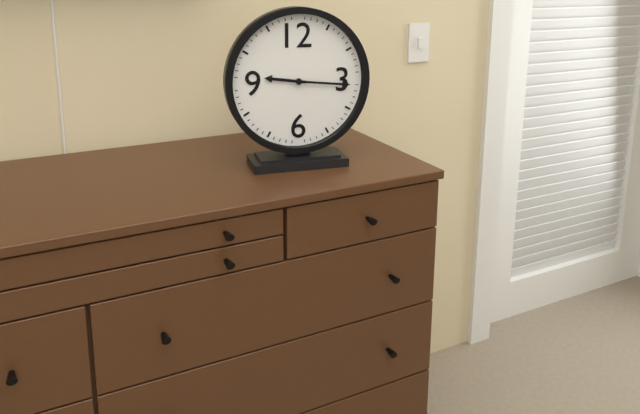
**9:16**
